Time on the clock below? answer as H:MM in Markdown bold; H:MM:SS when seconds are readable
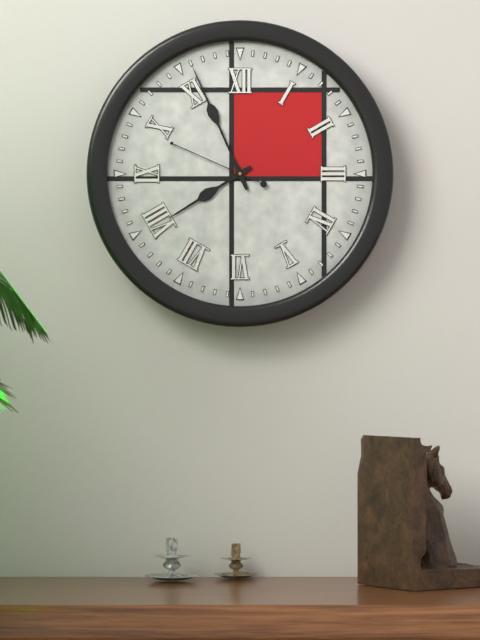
**7:56:49**
